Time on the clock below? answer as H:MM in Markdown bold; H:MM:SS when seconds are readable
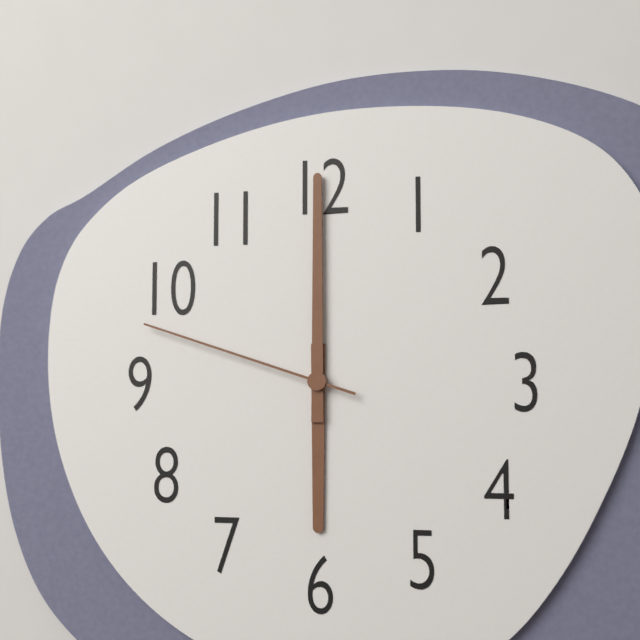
**6:00:48**
